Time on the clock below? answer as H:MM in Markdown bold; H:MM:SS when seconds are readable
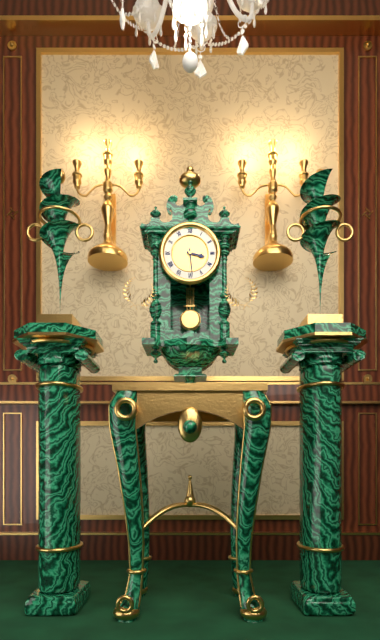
**3:29**
